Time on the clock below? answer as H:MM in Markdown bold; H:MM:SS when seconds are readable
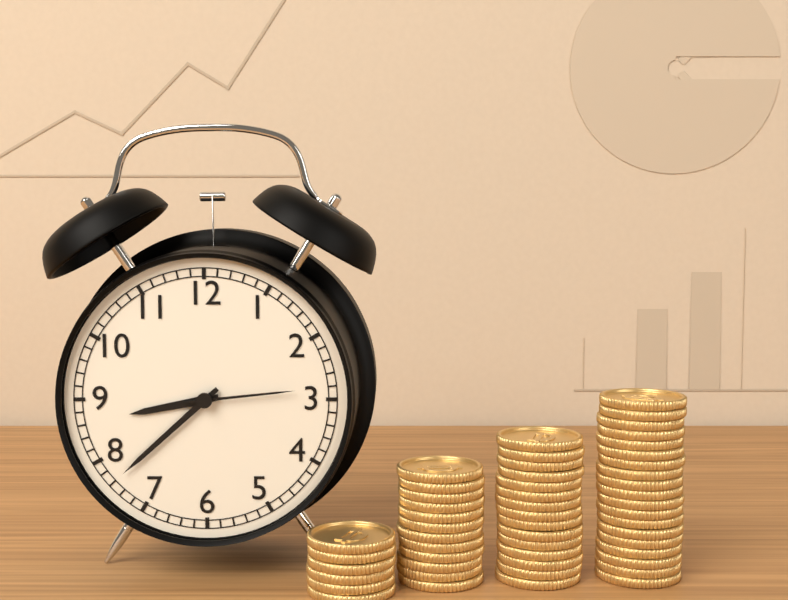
**8:38:14**
